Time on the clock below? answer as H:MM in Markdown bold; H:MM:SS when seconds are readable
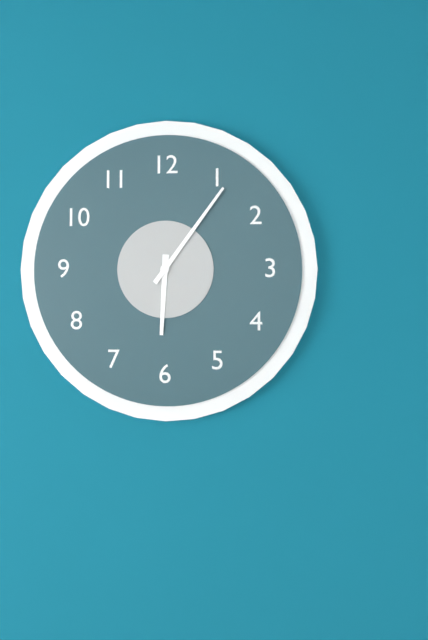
**6:06**
